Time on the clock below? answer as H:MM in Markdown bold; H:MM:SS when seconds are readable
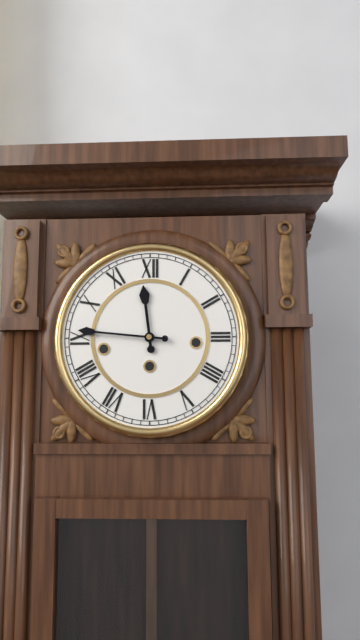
**11:46**
